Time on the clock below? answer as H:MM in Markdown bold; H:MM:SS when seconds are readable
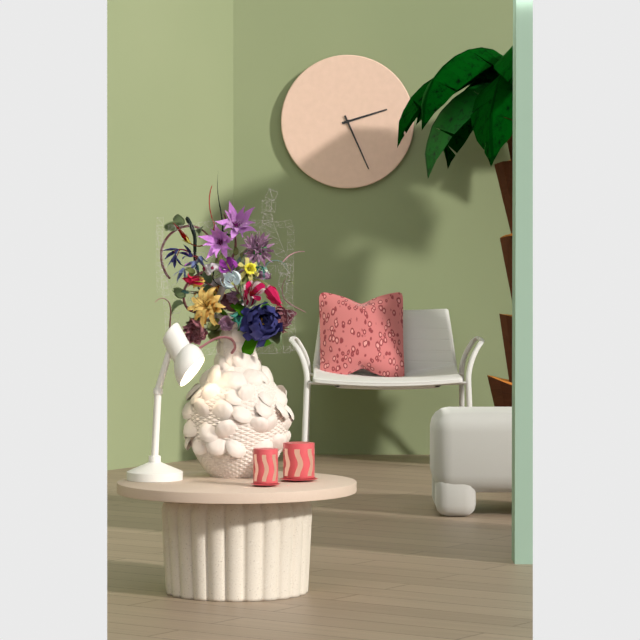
**2:26**
